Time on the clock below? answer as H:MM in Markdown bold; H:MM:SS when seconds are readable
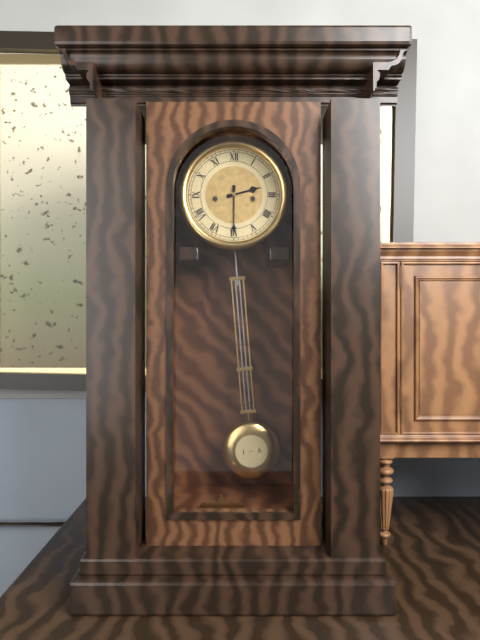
**2:30**
